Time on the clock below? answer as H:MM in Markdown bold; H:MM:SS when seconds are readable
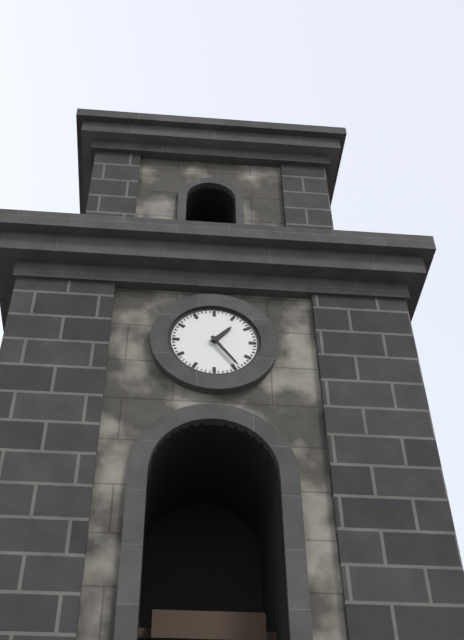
**1:24**
